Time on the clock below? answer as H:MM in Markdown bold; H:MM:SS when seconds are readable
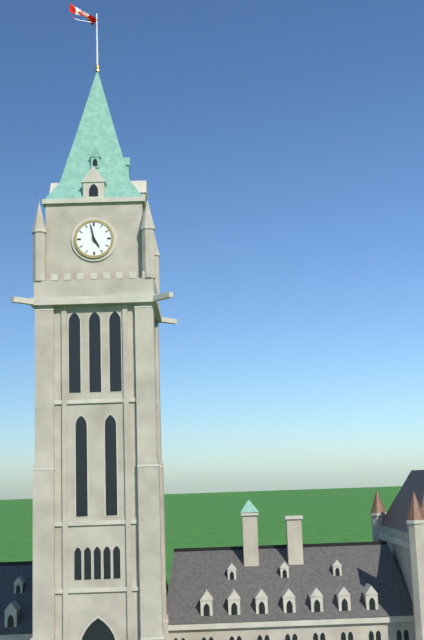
**4:58**
